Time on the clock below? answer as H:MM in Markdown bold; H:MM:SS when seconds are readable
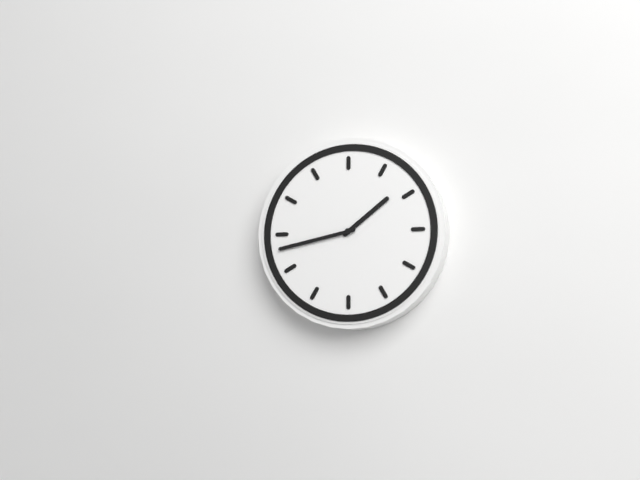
**1:43**
